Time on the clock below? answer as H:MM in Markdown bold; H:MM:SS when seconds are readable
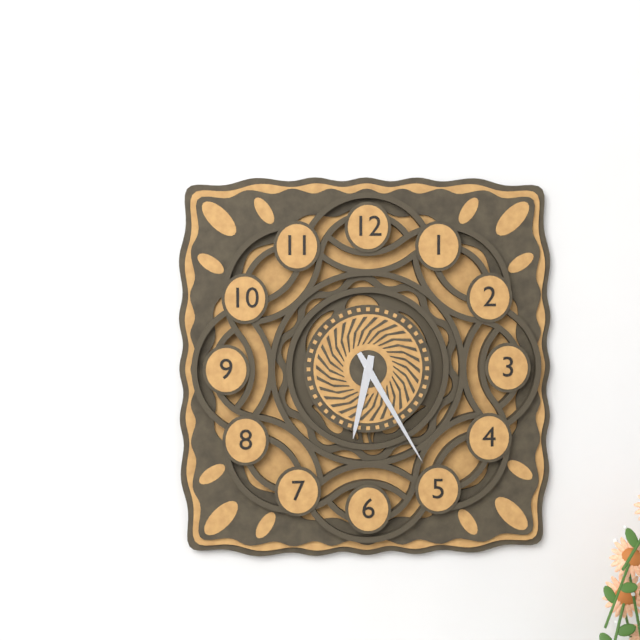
**6:25**
